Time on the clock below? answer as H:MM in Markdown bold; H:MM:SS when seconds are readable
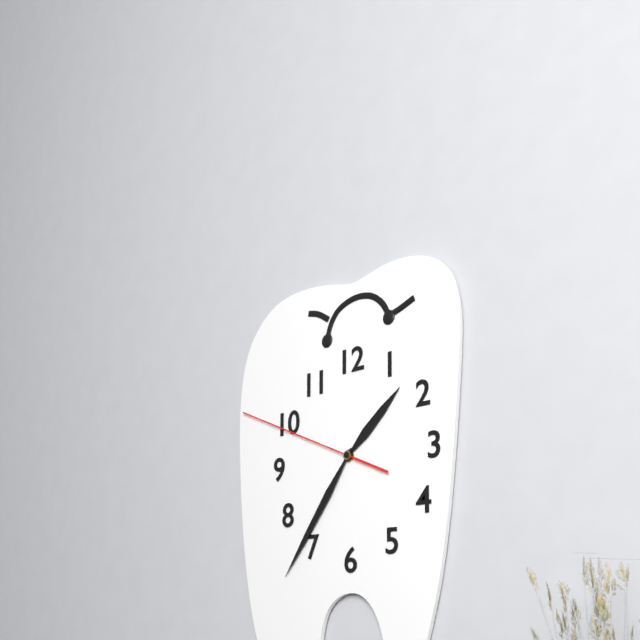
**1:36:49**
